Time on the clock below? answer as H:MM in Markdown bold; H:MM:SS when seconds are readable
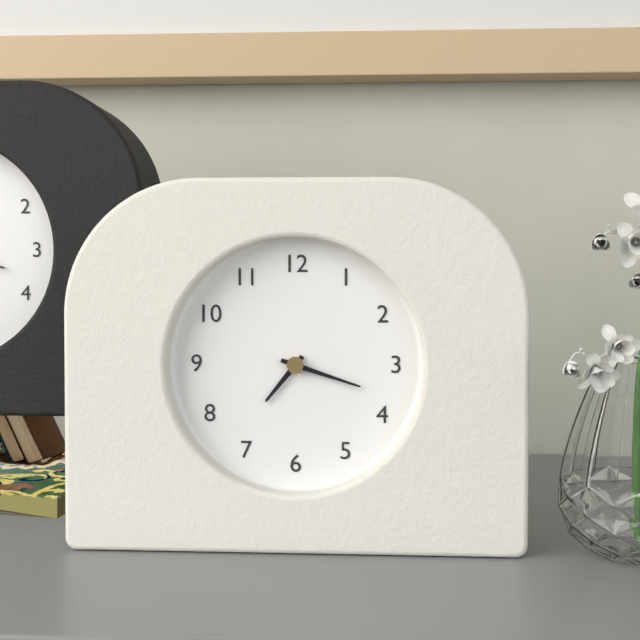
**7:18**
